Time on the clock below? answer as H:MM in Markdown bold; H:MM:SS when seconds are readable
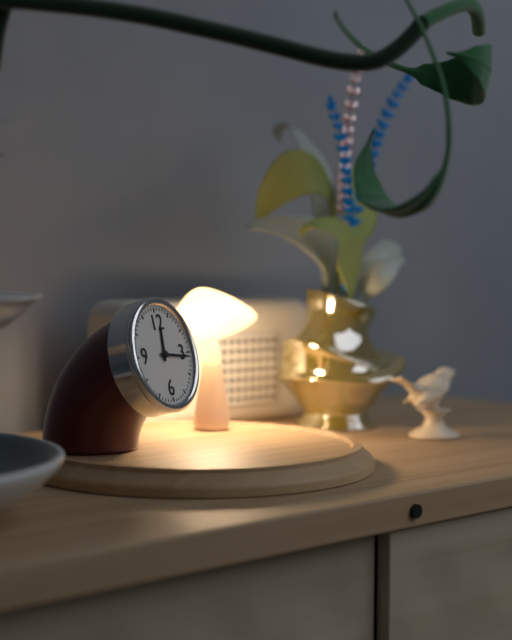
**12:16**
